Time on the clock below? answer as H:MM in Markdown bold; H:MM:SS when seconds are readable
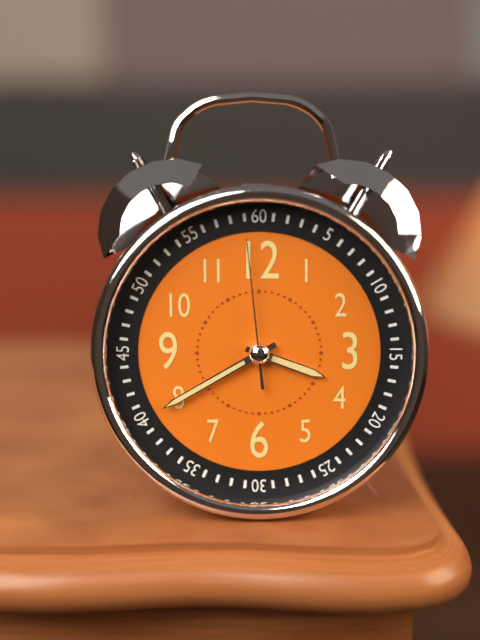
**3:40:59**
